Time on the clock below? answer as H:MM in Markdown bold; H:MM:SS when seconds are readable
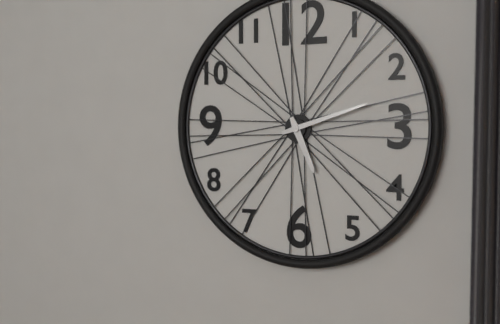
**5:12**
